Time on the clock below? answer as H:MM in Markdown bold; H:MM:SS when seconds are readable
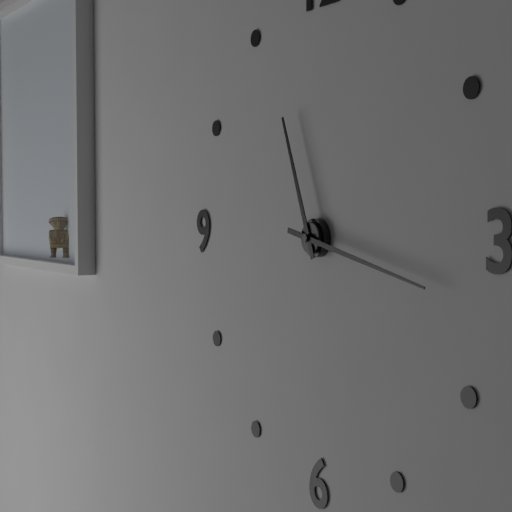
**11:17**
